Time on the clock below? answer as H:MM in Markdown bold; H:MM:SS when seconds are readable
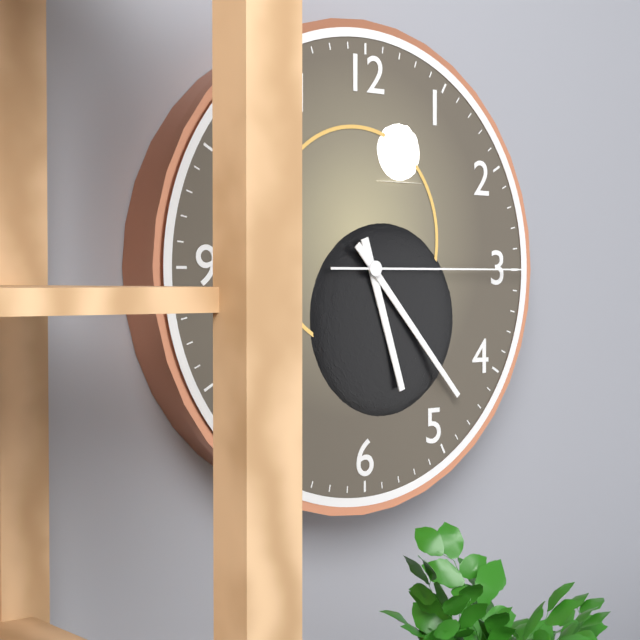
**5:23:15**
